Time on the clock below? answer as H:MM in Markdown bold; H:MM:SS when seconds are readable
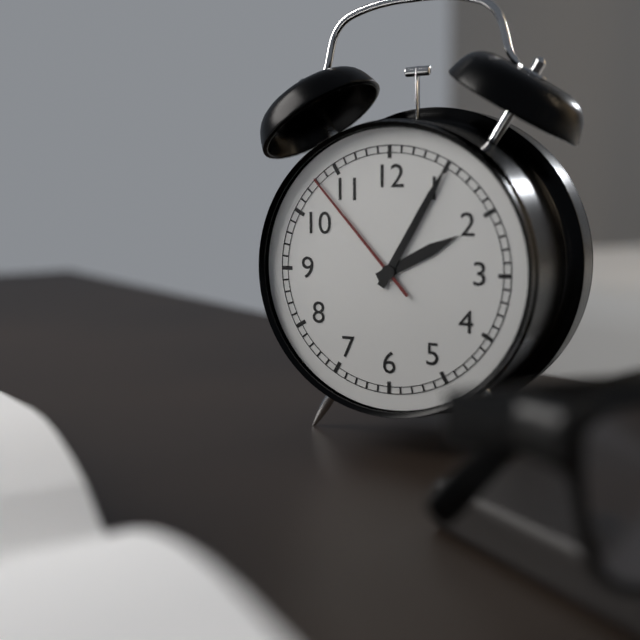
**2:05:53**
